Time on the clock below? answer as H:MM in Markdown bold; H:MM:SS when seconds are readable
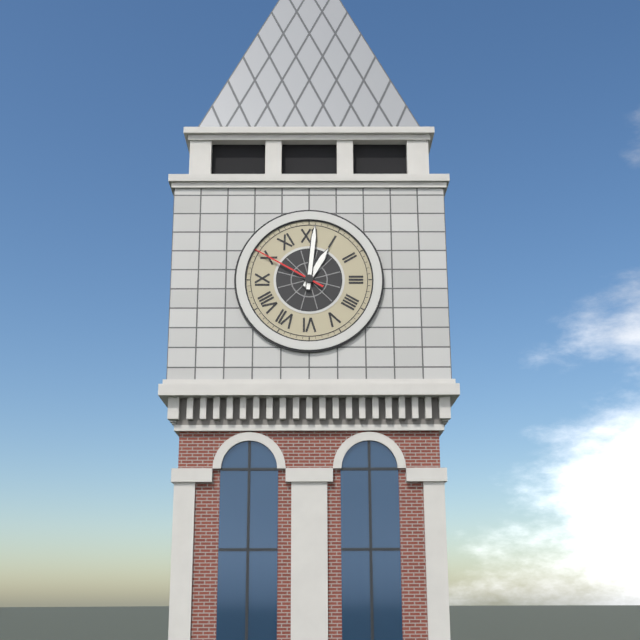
**1:01:50**
